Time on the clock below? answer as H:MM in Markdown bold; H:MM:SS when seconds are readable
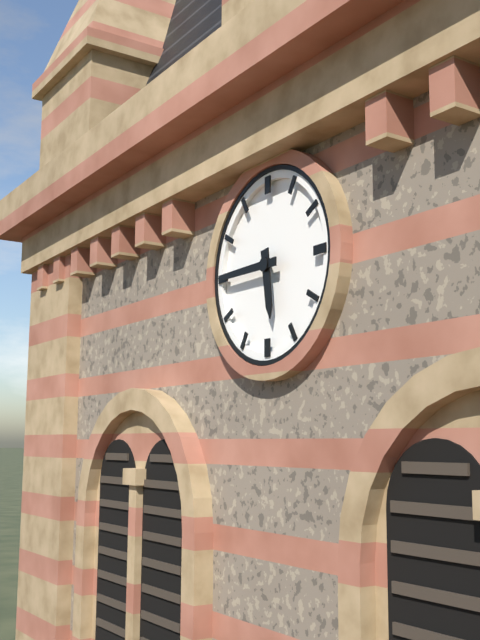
**5:45**
